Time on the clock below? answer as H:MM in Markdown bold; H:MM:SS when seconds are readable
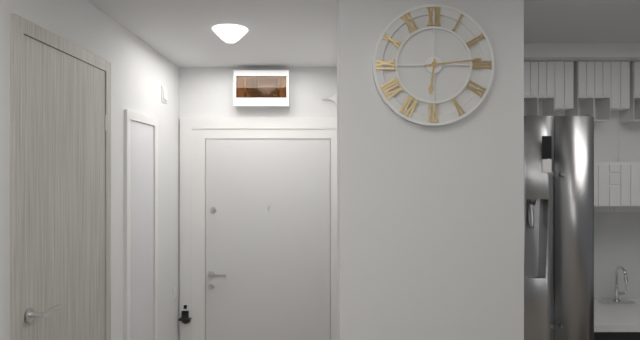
**6:14**
